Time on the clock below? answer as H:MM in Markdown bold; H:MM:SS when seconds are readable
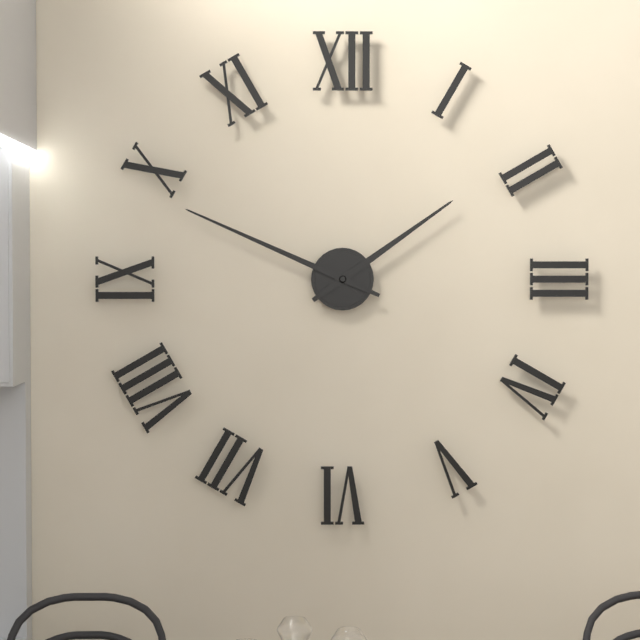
**1:49**
